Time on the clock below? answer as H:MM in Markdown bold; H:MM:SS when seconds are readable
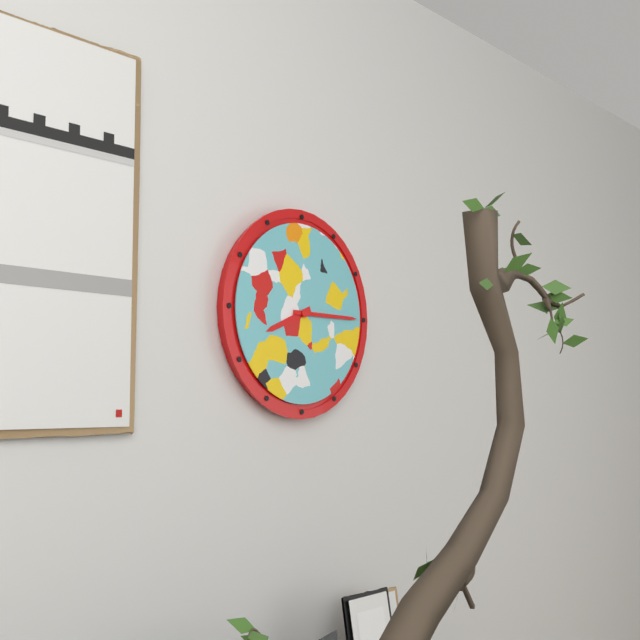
**8:15**
